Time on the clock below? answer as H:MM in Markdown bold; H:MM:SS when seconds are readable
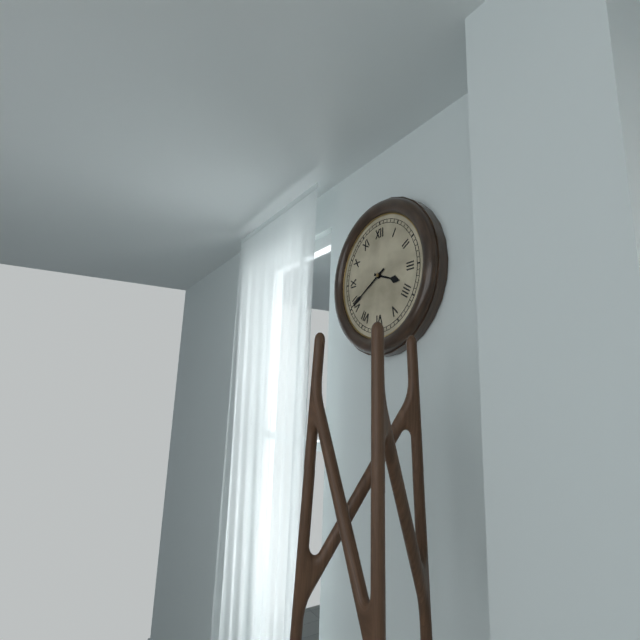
**3:40**
